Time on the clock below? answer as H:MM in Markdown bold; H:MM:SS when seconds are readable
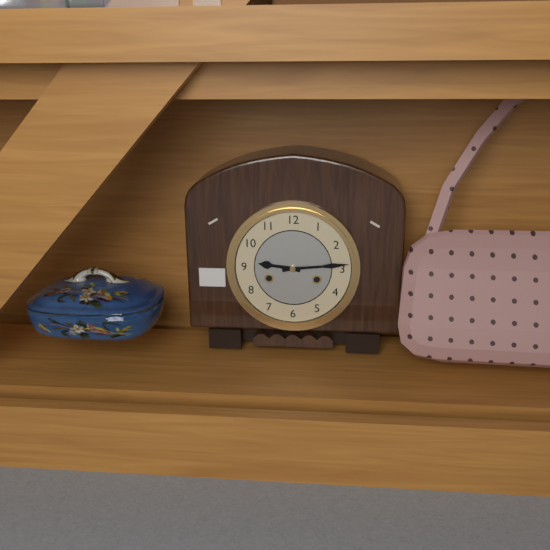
**9:14**
